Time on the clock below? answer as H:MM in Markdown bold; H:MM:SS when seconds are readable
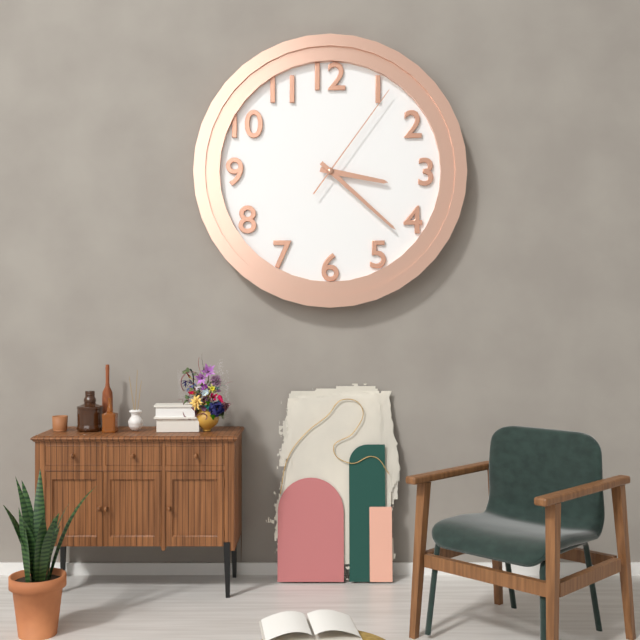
**3:22:06**
